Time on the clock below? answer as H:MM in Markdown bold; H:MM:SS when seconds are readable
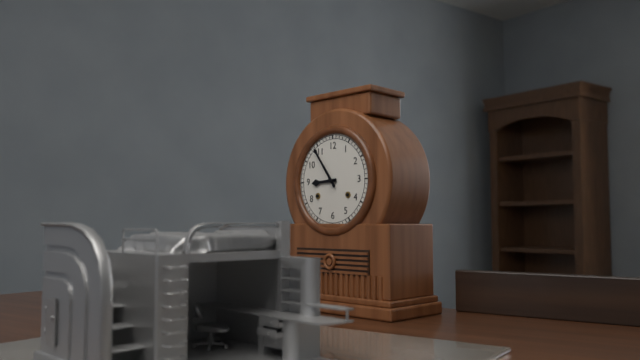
**8:54**
